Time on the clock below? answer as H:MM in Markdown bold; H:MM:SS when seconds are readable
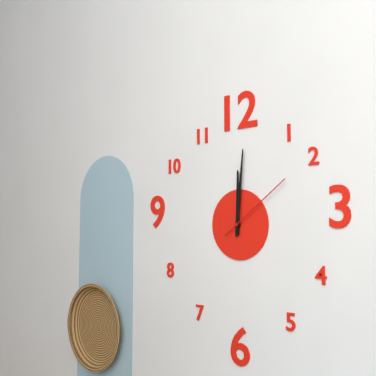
**12:01:09**
